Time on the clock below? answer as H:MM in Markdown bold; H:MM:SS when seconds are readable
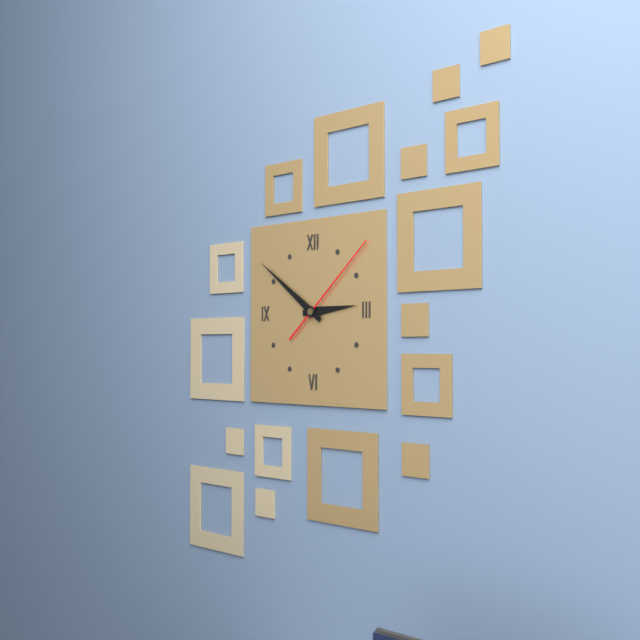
**2:51:08**
